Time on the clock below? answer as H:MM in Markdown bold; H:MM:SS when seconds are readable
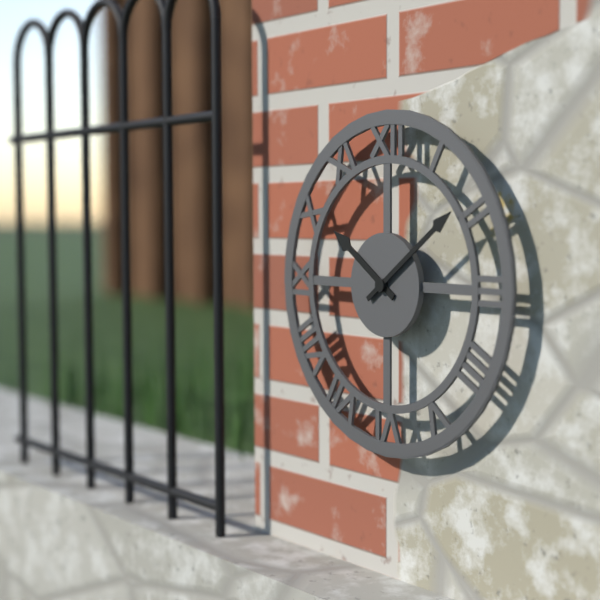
**10:09**
